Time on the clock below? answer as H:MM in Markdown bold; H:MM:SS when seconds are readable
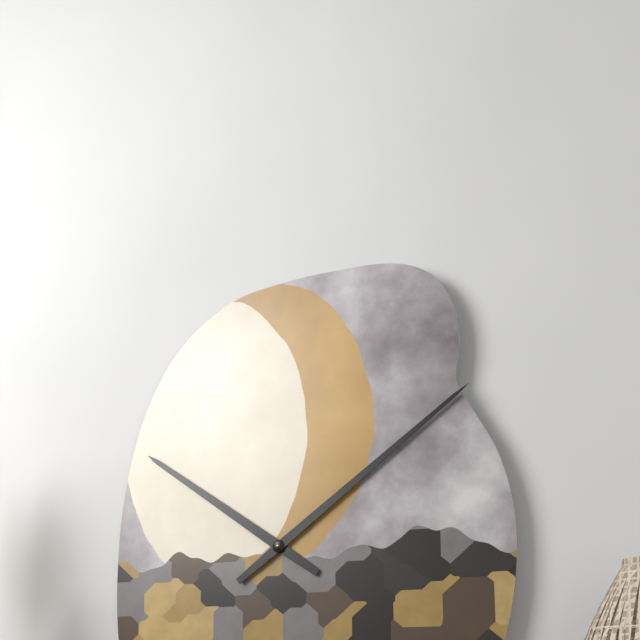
**10:09**
